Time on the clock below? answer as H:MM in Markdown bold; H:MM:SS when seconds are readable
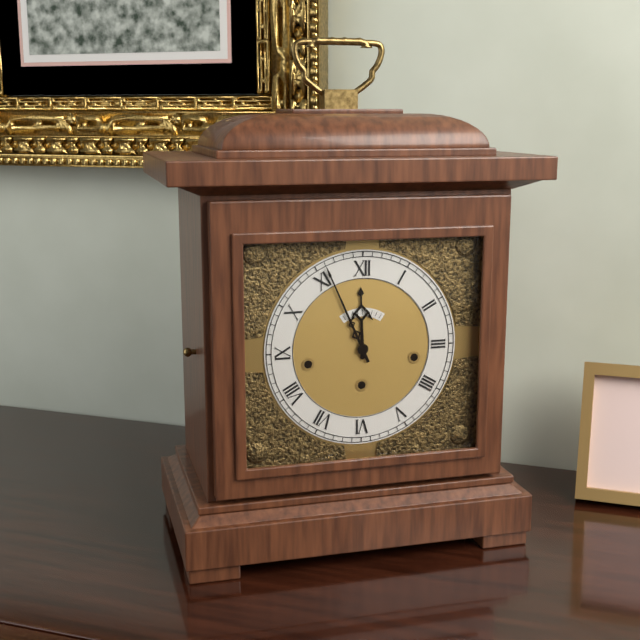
**11:56**
